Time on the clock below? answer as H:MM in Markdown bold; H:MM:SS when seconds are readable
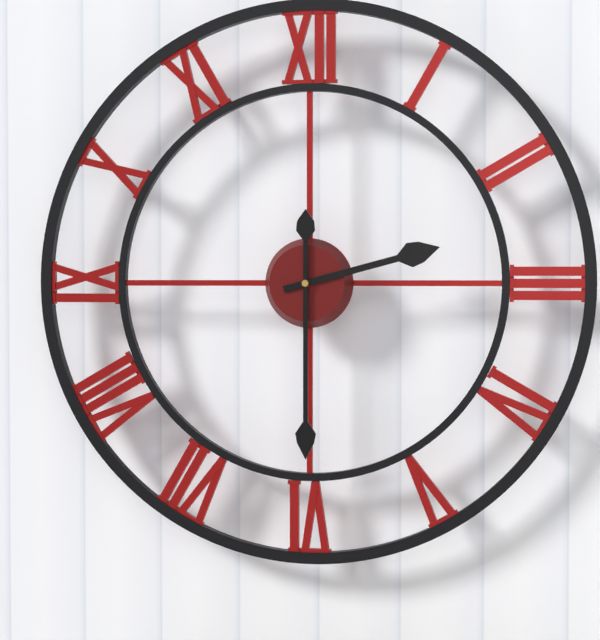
**2:30**
